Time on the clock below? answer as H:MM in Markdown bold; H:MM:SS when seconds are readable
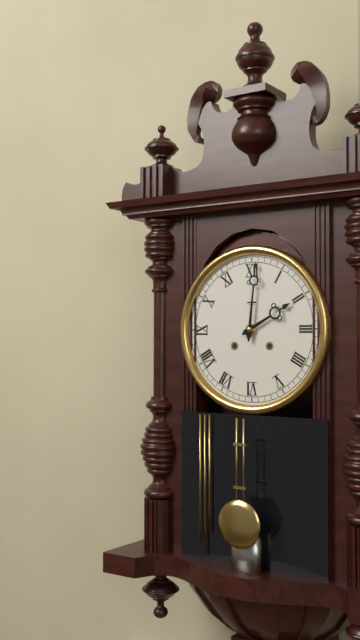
**2:01**
